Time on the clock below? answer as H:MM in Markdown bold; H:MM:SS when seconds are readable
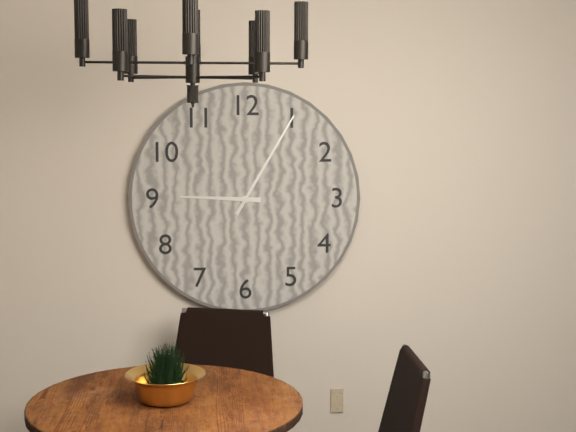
**9:05**
